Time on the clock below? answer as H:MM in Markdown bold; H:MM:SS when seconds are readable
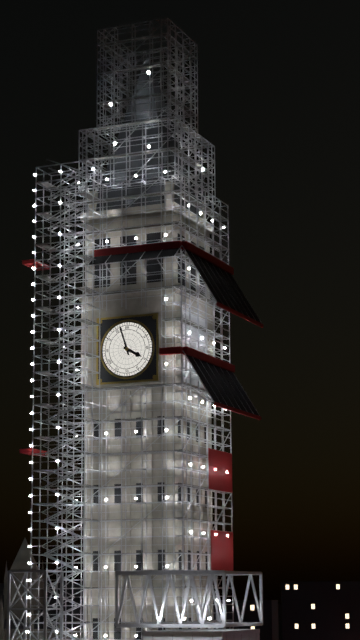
**3:57**
